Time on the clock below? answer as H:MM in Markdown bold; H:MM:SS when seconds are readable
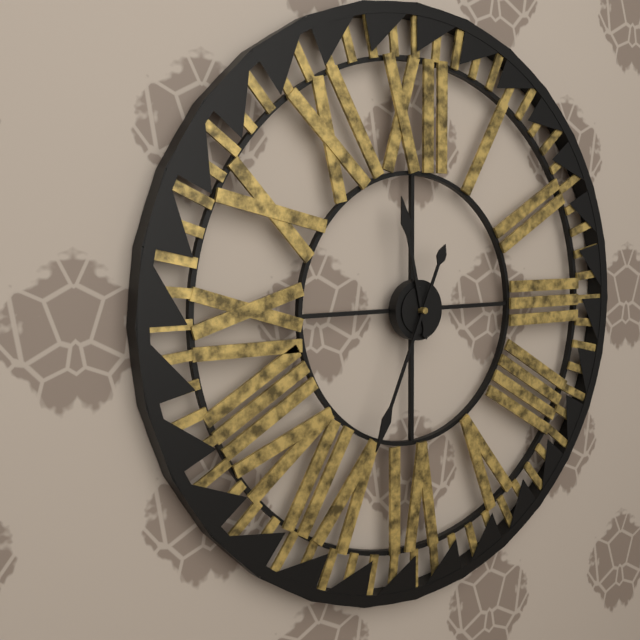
**11:34**
